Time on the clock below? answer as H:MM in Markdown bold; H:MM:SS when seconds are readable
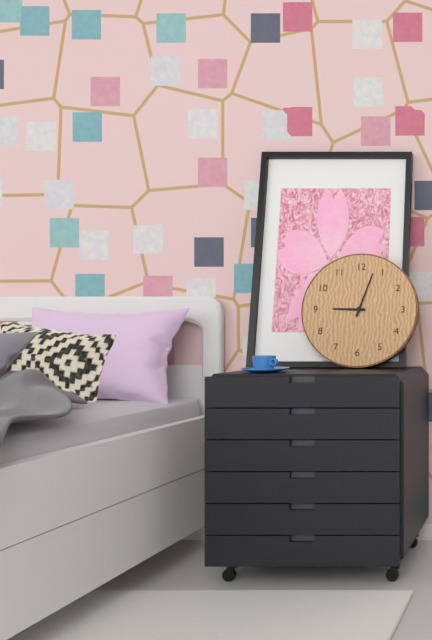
**9:03**
